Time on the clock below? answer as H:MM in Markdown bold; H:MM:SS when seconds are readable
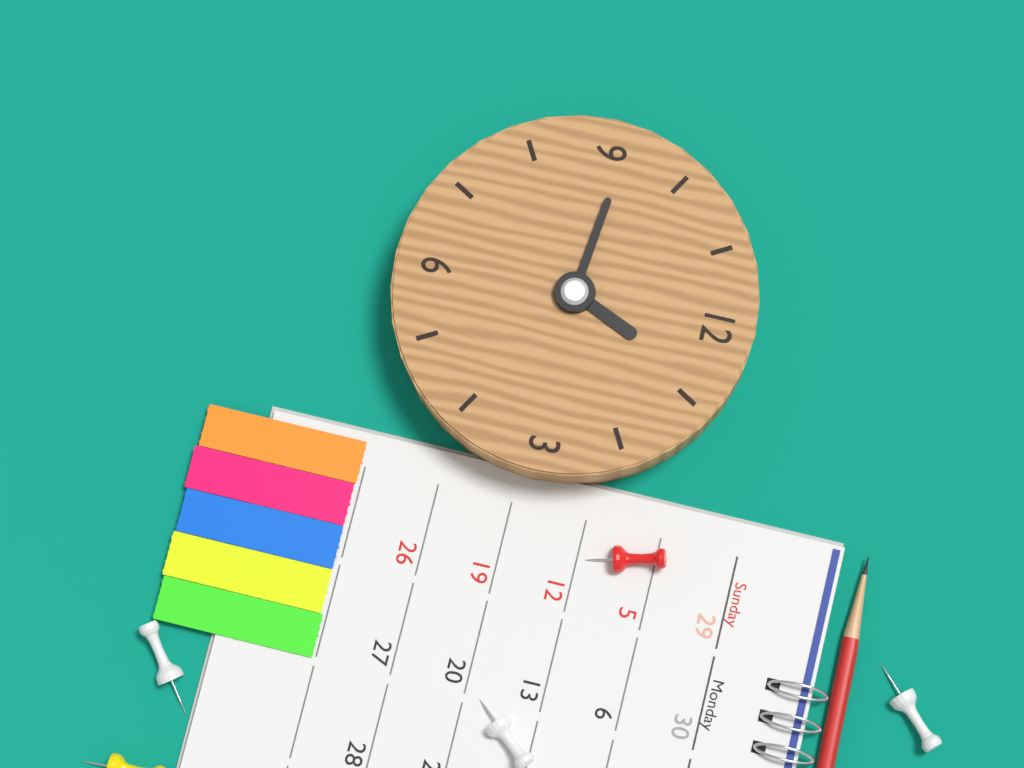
**12:46**
